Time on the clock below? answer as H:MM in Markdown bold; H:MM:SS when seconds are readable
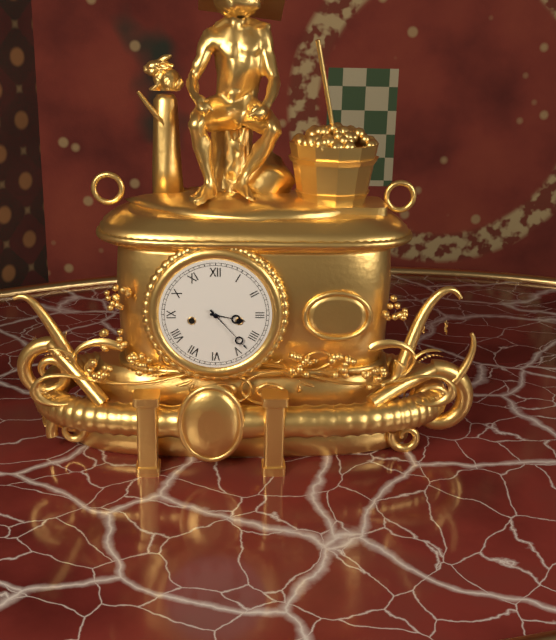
**3:23**
